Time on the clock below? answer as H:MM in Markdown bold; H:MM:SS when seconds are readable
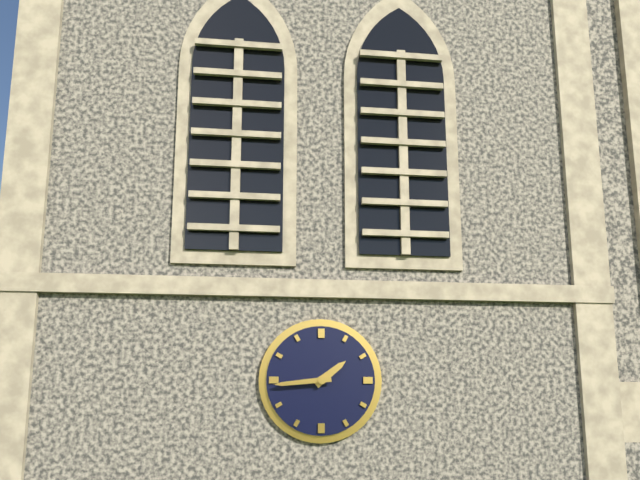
**1:44**
